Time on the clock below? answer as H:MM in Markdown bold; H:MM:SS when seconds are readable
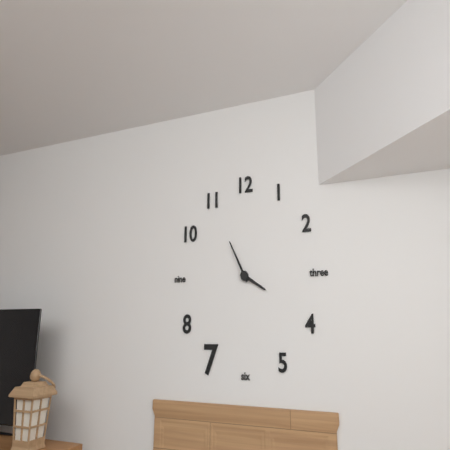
**3:55**
